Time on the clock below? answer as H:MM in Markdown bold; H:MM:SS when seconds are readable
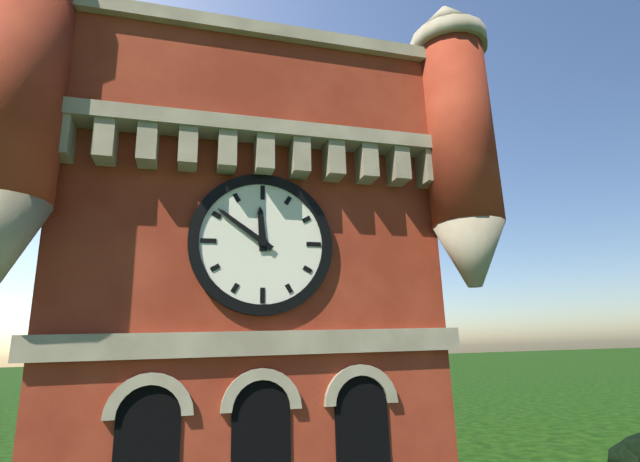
**11:51**
